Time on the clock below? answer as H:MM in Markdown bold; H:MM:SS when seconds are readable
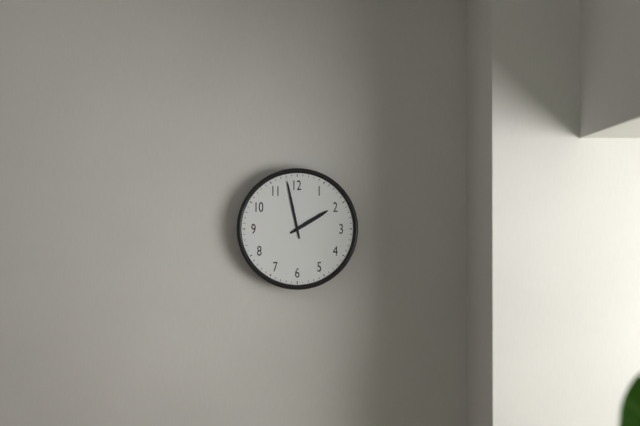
**1:58**
